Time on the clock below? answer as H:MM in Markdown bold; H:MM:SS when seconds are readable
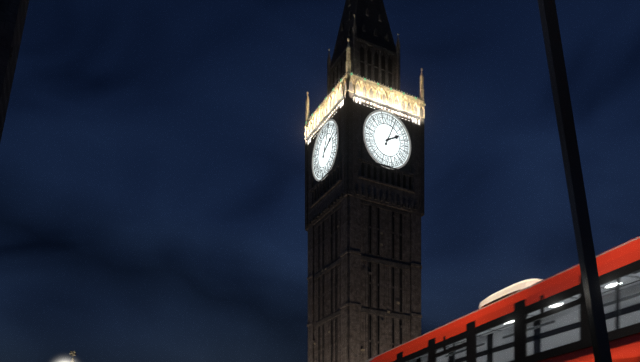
**2:04**
